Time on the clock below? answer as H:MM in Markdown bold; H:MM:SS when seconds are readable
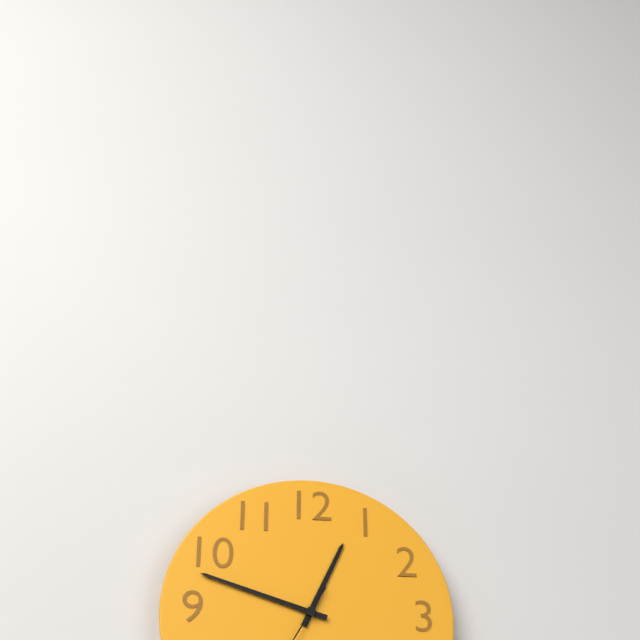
**12:48**
